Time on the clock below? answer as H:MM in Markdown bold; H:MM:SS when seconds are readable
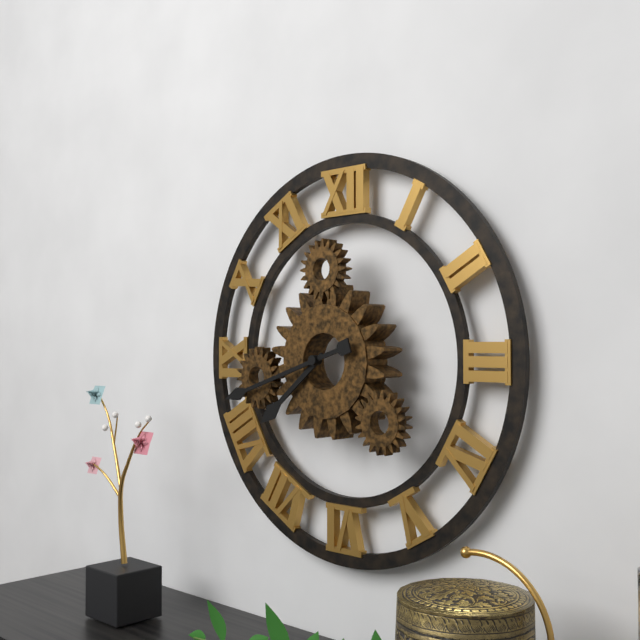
**7:42**
